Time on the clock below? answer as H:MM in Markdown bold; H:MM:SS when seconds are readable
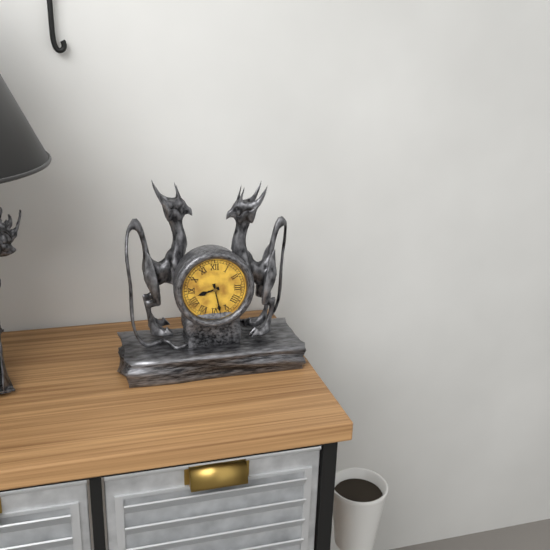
**8:28**
